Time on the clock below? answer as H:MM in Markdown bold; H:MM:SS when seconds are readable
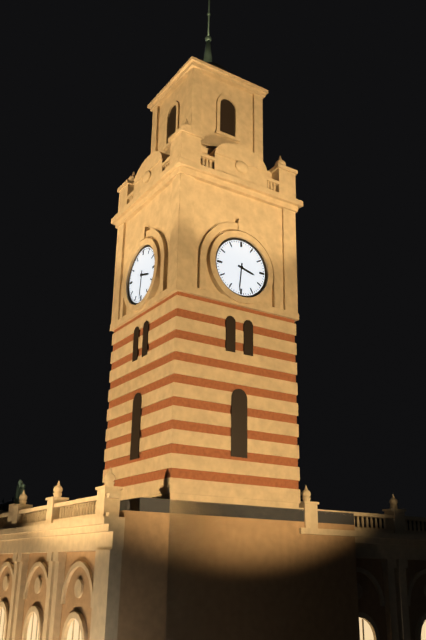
**3:31**
